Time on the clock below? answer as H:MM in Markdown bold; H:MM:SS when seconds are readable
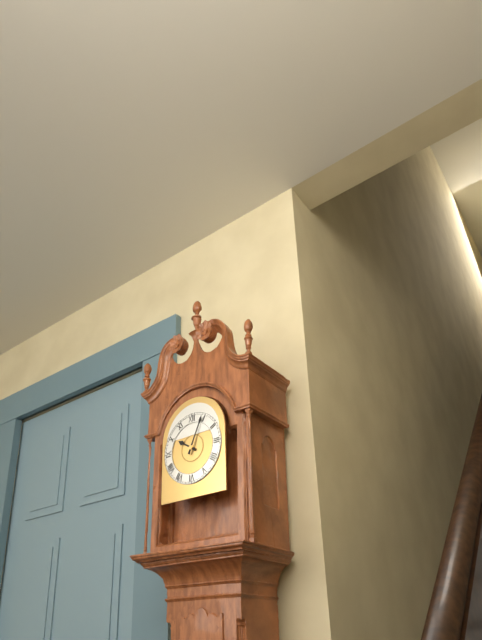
**10:04**
